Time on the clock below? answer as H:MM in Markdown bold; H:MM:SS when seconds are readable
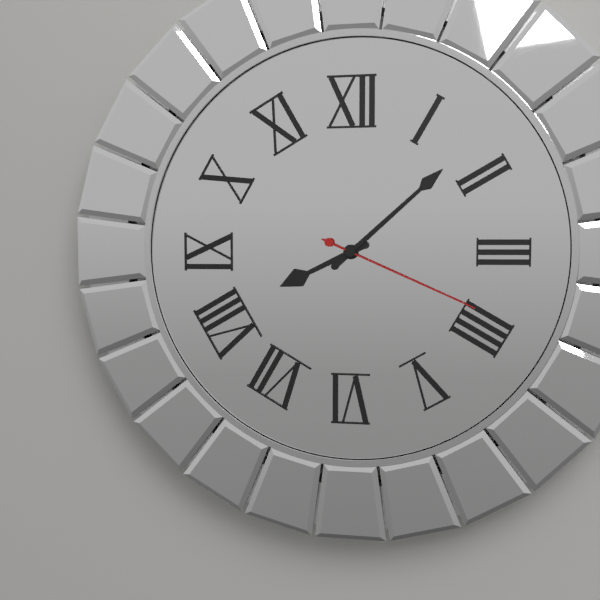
**8:08:19**
